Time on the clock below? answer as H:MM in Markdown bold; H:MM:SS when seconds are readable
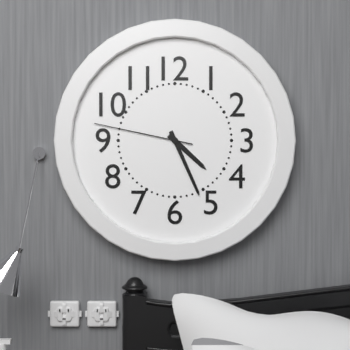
**4:26:47**
